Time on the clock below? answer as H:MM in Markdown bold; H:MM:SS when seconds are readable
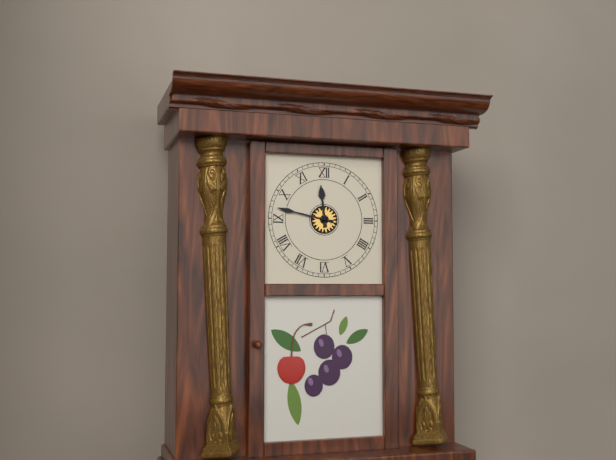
**11:47**
